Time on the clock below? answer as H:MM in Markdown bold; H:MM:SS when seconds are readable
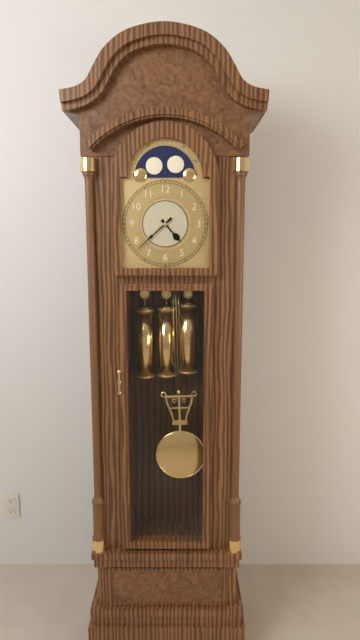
**4:38**
